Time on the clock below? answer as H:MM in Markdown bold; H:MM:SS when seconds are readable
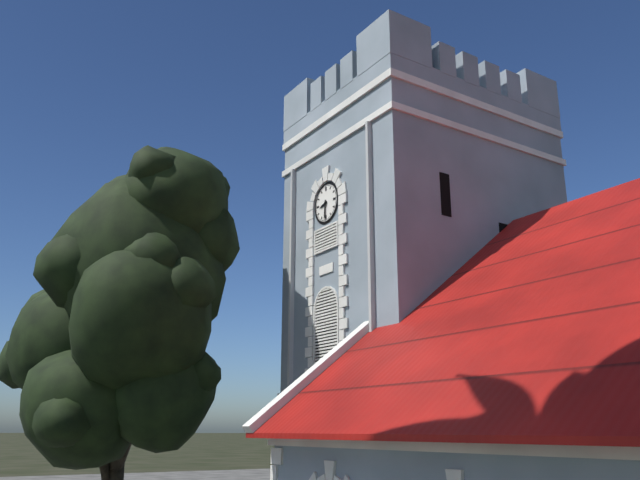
**8:31**
